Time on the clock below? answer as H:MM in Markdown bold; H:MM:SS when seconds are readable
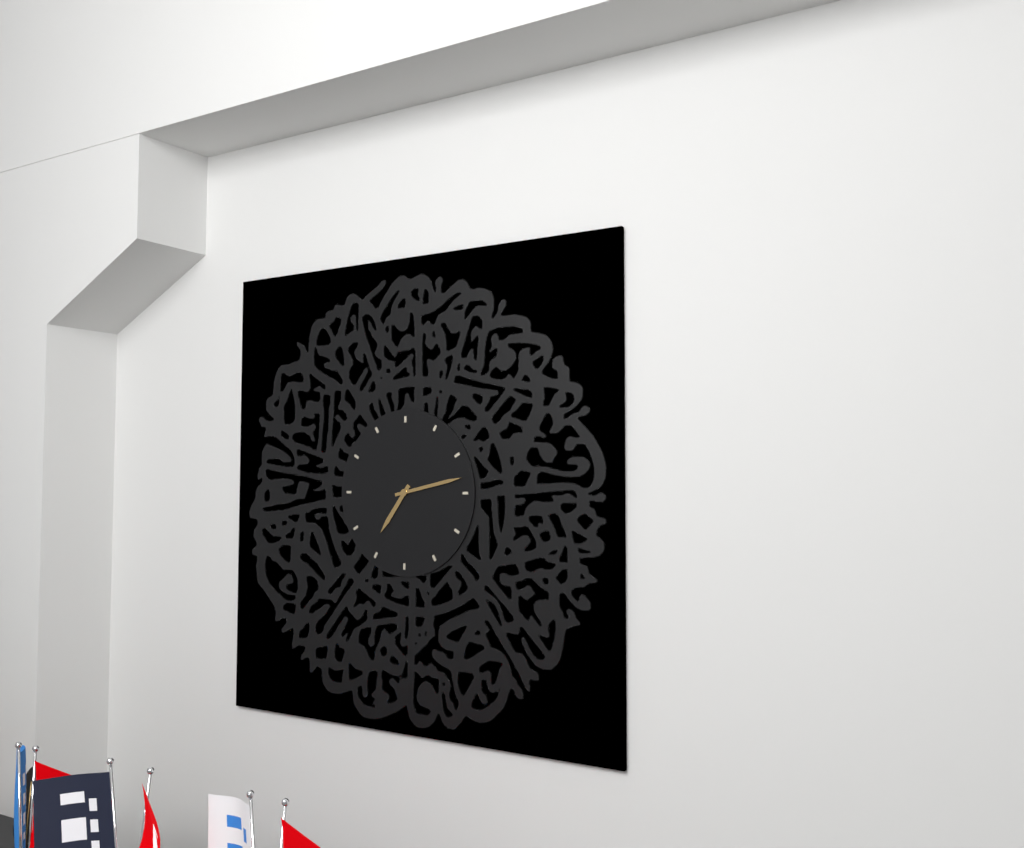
**7:13**
